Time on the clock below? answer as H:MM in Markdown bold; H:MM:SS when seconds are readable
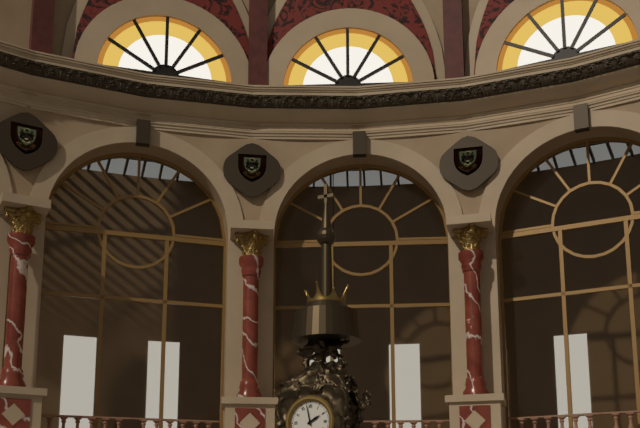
**1:58**
